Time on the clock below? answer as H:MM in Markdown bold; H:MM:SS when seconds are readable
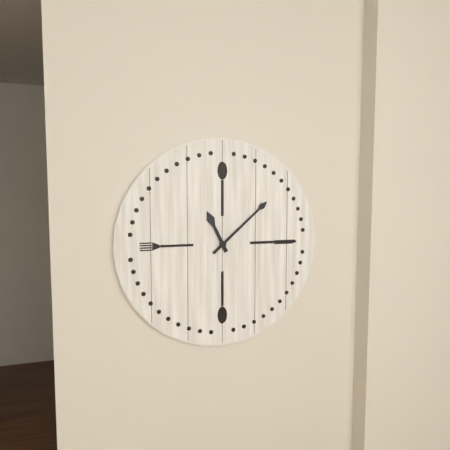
**11:08**
